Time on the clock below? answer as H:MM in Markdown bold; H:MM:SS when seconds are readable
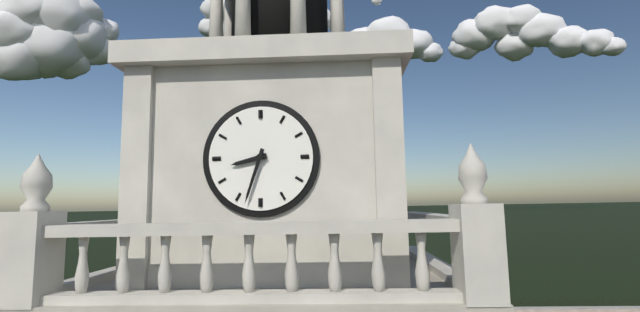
**8:33**
